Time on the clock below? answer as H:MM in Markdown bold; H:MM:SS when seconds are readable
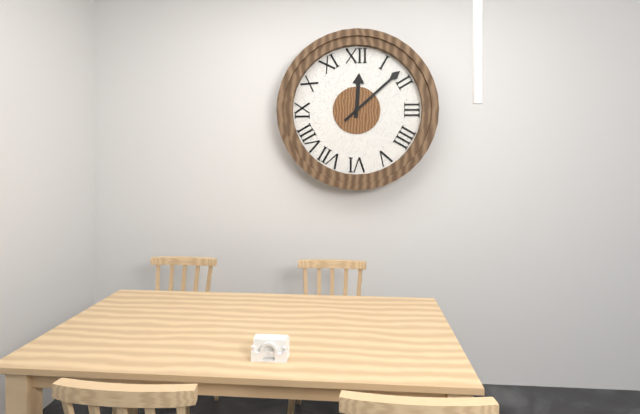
**12:08**
